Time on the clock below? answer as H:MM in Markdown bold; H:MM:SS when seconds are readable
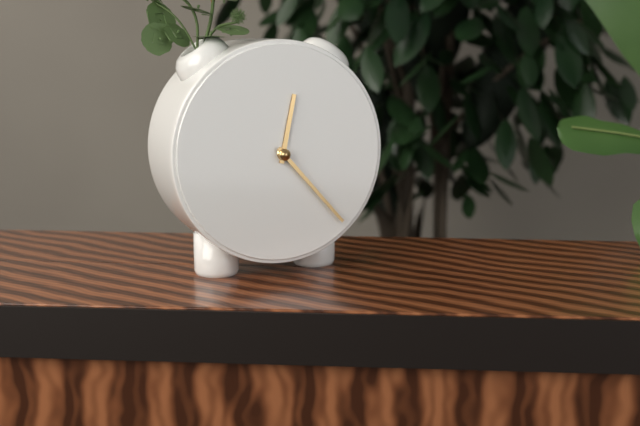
**12:23**
